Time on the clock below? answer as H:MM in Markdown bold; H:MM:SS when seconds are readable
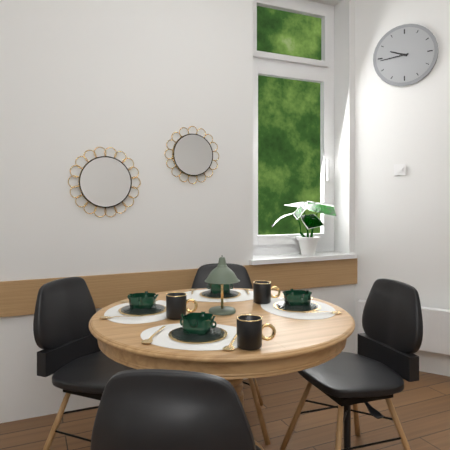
**9:44**
